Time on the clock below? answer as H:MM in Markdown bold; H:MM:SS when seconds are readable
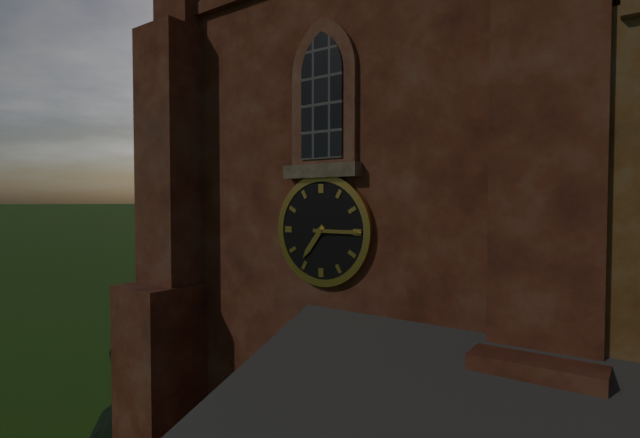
**7:15**
